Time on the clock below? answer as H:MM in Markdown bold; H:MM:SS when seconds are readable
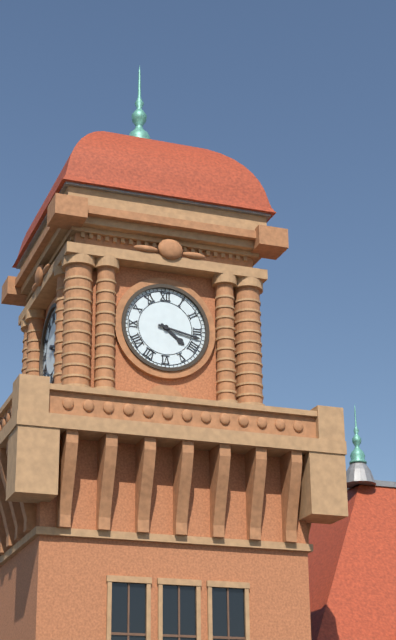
**4:17**
